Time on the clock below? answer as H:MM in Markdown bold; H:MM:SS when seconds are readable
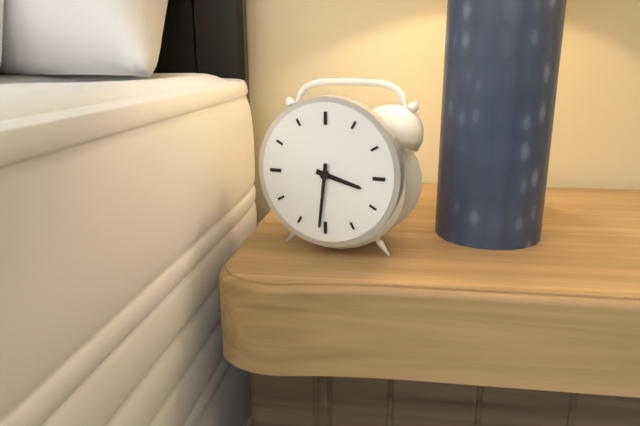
**3:31**
